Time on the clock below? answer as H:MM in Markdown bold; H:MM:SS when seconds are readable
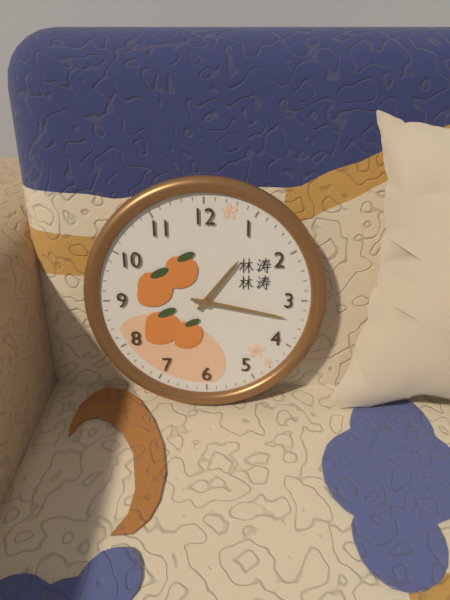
**1:17**
